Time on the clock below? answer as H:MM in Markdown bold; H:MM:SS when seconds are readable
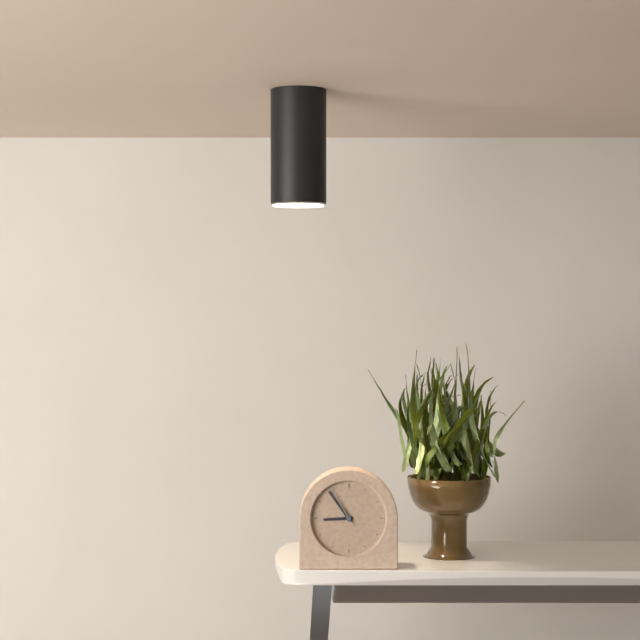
**8:54**
